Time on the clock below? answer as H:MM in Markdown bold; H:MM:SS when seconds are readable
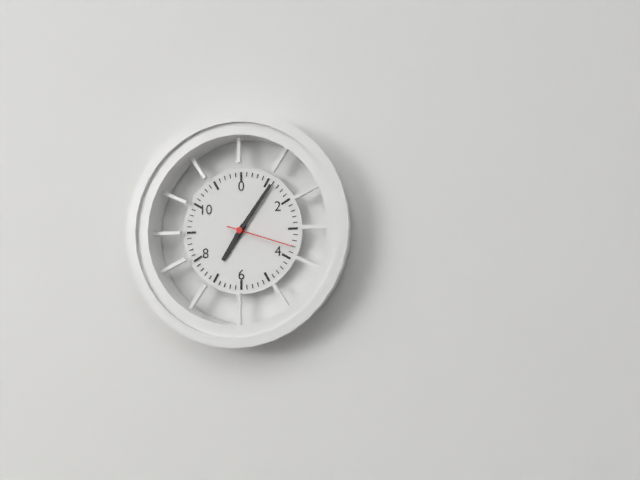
**7:06:18**
